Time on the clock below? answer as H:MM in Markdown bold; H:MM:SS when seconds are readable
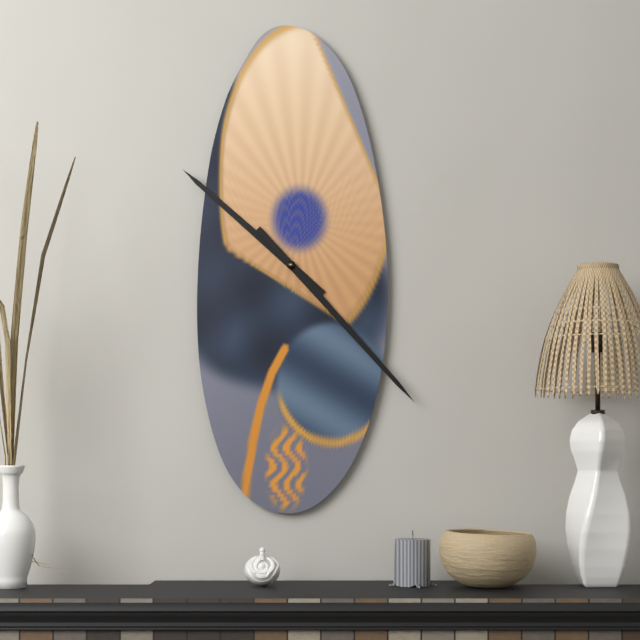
**10:23**
